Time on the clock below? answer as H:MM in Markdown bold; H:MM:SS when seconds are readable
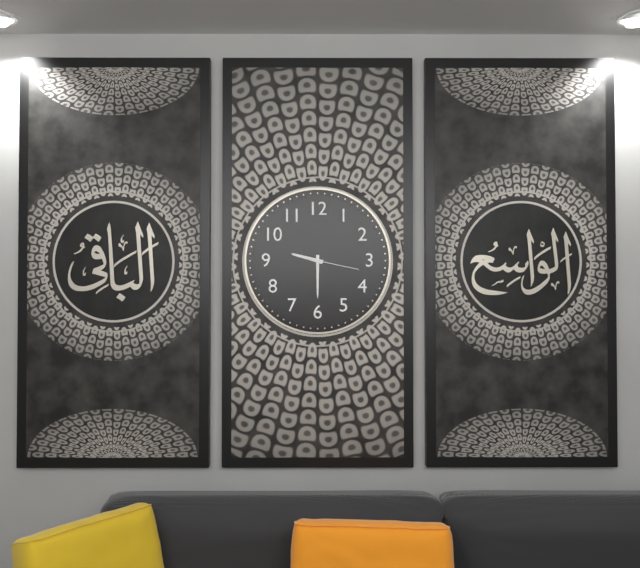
**9:30:17**
